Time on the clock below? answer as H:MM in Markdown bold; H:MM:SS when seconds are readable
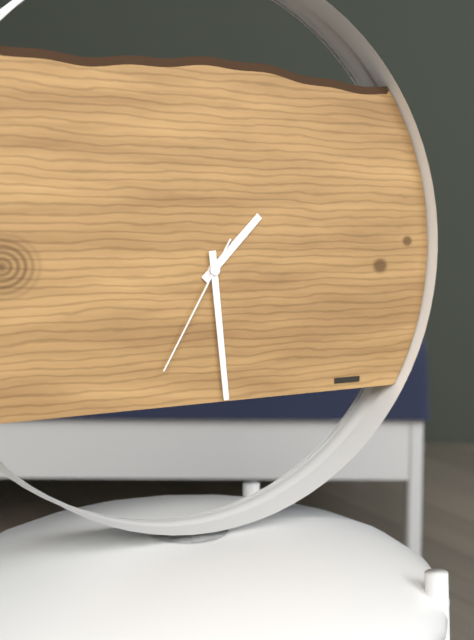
**1:29:35**
